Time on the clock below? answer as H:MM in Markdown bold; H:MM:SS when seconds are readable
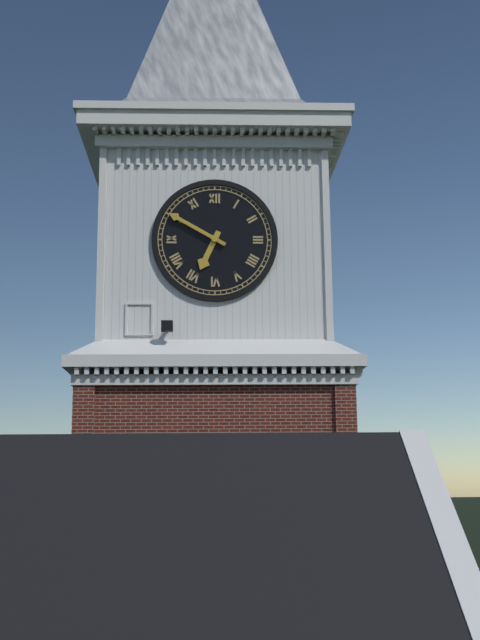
**6:50**
